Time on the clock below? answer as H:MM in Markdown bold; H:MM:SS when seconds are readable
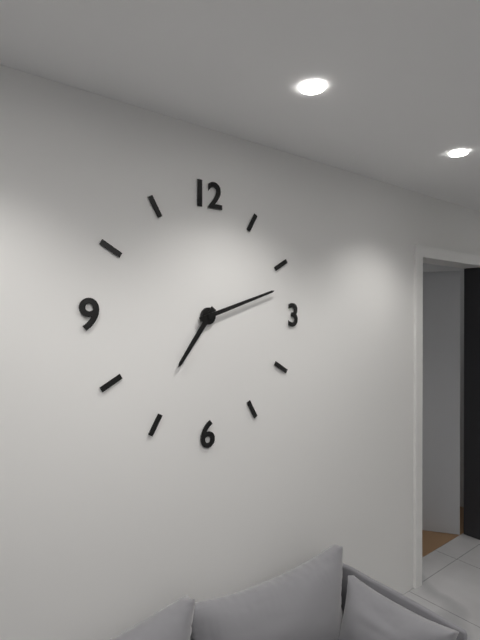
**7:12**
